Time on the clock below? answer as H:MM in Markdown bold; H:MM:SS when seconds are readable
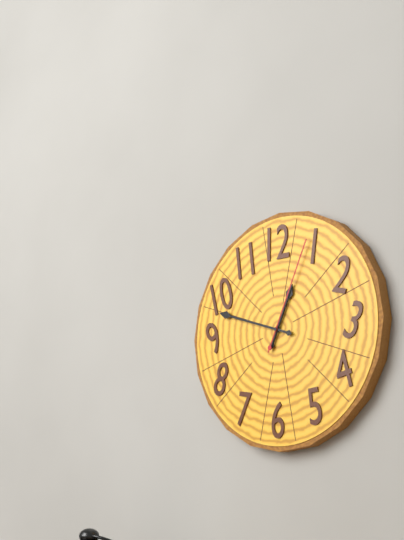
**12:48:04**
